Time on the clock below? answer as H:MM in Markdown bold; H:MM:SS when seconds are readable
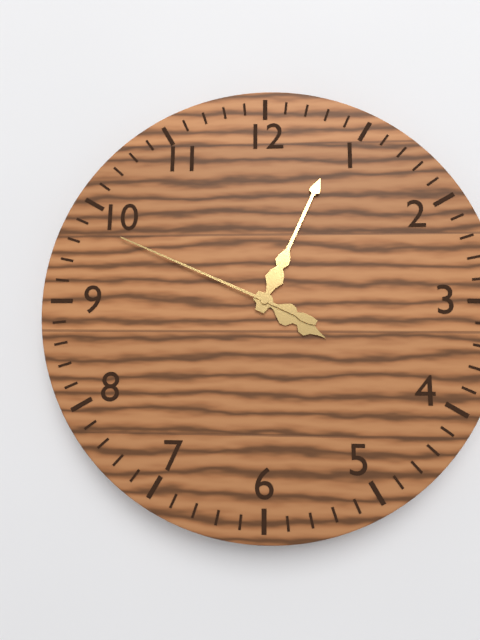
**4:04:49**
